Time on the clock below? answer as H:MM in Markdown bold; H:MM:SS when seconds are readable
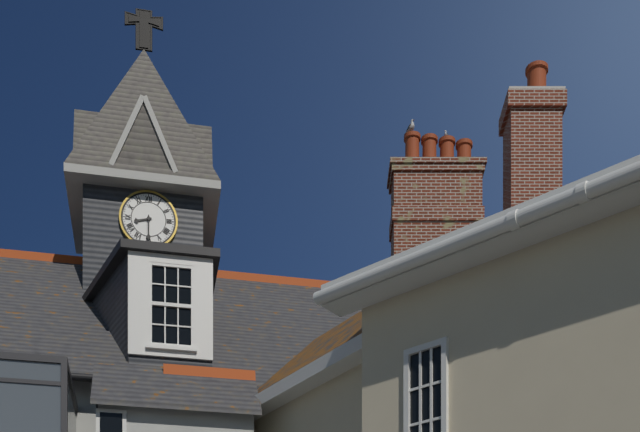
**8:30**
